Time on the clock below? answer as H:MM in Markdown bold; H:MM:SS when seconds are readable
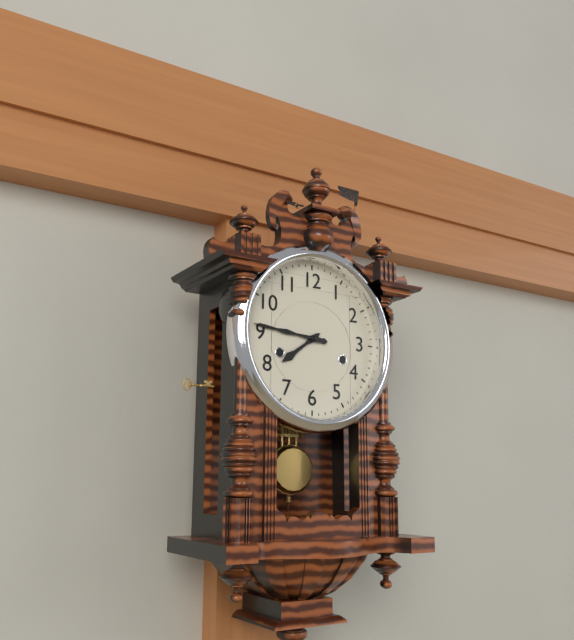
**7:46**
